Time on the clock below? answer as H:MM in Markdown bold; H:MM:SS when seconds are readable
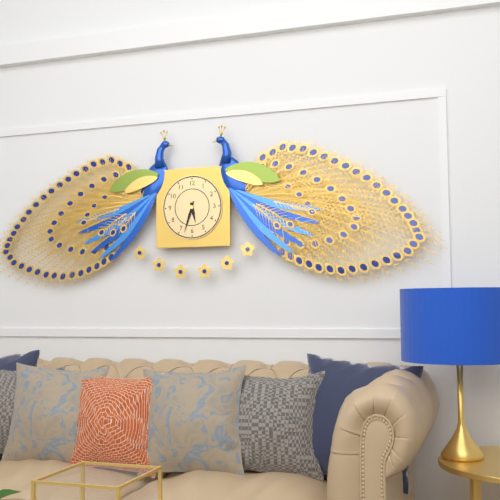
**5:33**
